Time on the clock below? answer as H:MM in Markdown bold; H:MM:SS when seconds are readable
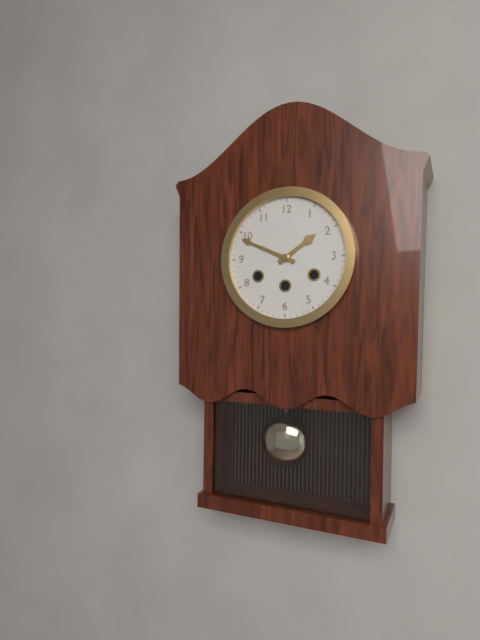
**1:49**
